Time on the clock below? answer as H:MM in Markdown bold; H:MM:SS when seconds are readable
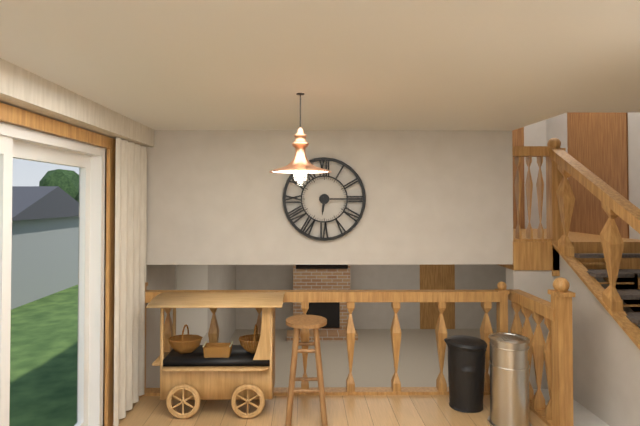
**6:15**
